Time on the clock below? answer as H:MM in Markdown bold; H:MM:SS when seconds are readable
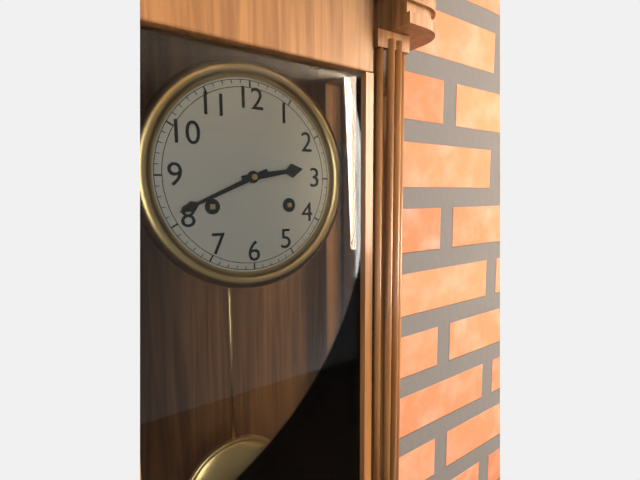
**2:41**
